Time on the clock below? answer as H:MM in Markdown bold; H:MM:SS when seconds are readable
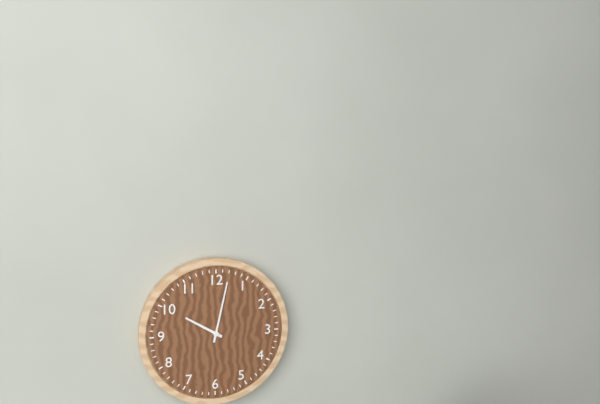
**10:02**
